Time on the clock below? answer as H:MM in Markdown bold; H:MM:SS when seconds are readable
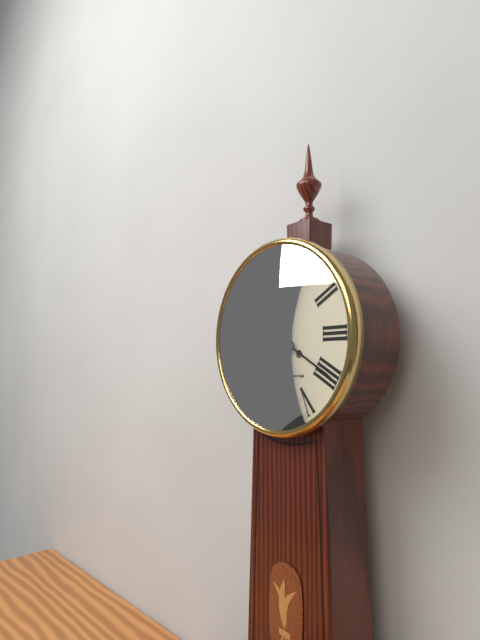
**12:20**
